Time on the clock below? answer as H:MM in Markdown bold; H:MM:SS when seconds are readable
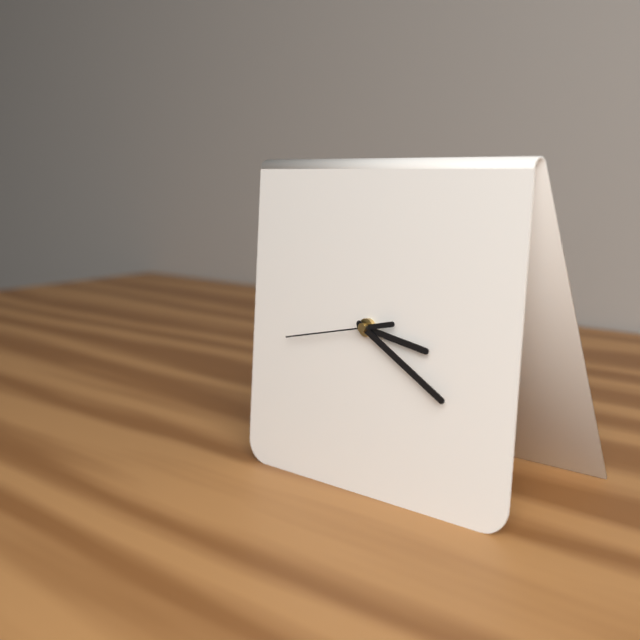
**3:20:43**
